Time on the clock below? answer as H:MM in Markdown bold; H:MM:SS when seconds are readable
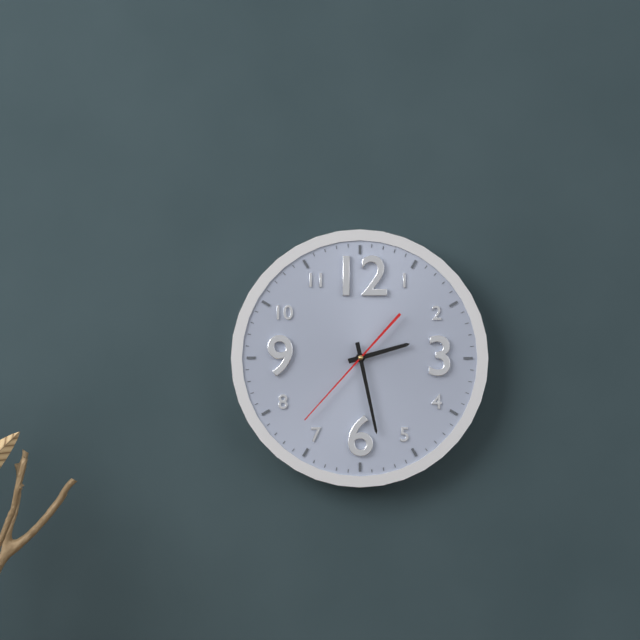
**2:28:37**
